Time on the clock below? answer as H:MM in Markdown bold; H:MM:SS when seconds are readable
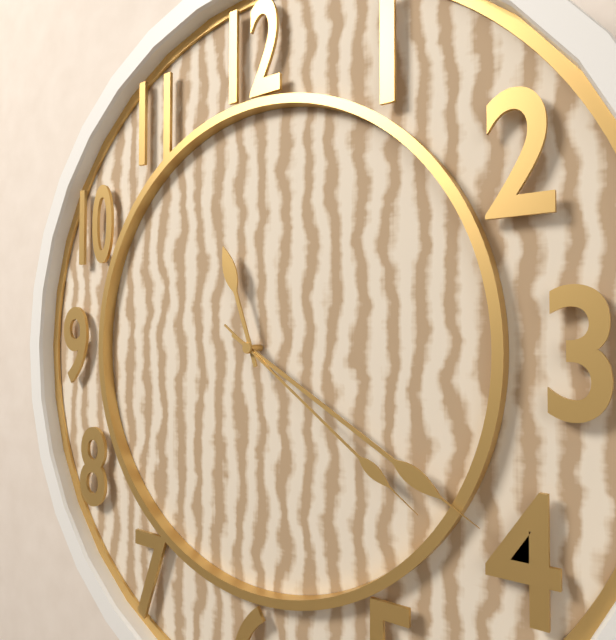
**11:20:21**
